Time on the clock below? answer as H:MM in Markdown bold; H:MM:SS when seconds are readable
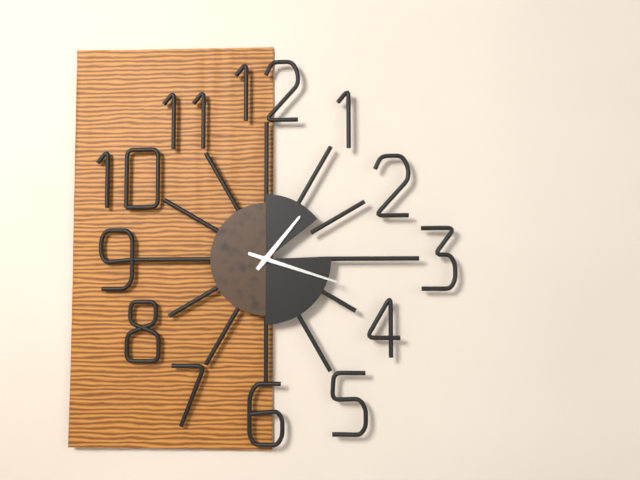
**1:18**
